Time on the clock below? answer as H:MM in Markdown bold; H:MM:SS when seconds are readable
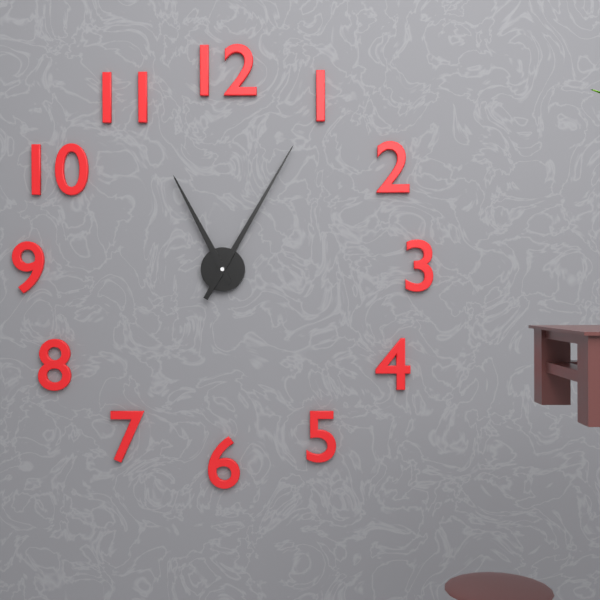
**11:05**
